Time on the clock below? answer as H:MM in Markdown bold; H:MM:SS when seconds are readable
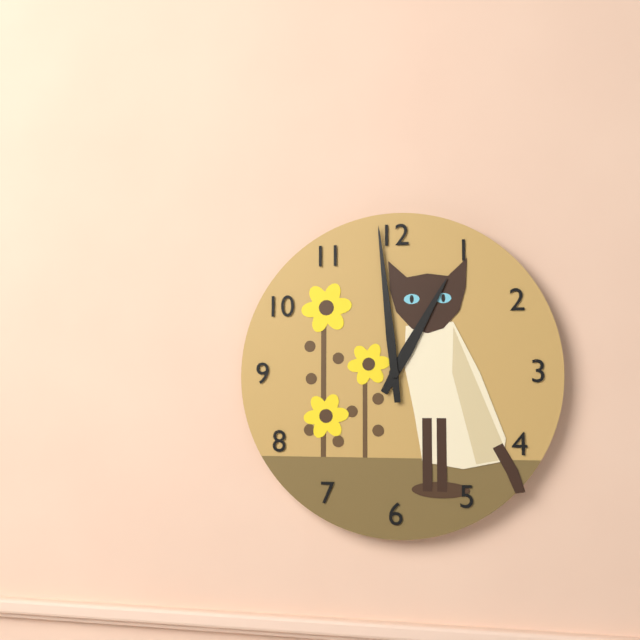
**12:59**
